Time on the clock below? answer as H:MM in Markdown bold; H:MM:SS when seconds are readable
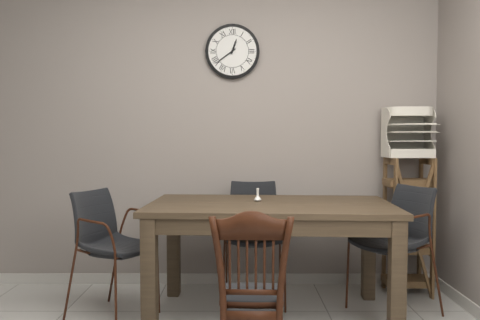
**12:39**
